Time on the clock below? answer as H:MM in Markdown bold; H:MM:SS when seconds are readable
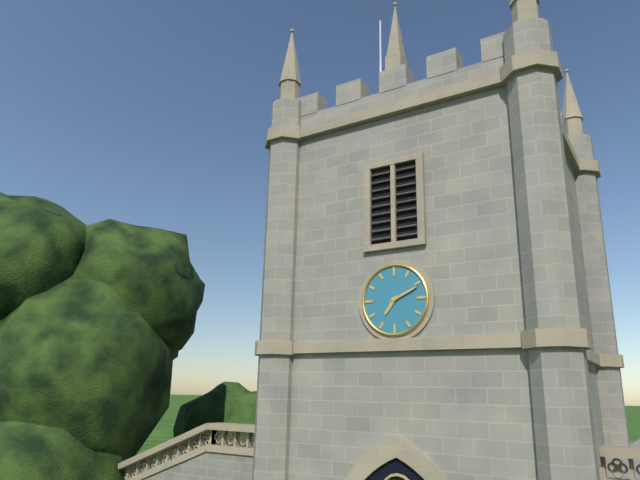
**7:11**
